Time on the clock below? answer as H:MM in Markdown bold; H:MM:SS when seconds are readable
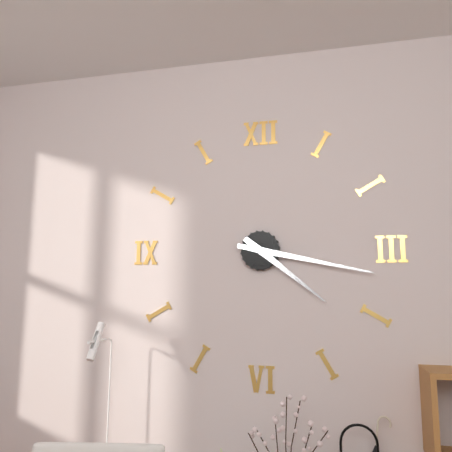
**4:17**
